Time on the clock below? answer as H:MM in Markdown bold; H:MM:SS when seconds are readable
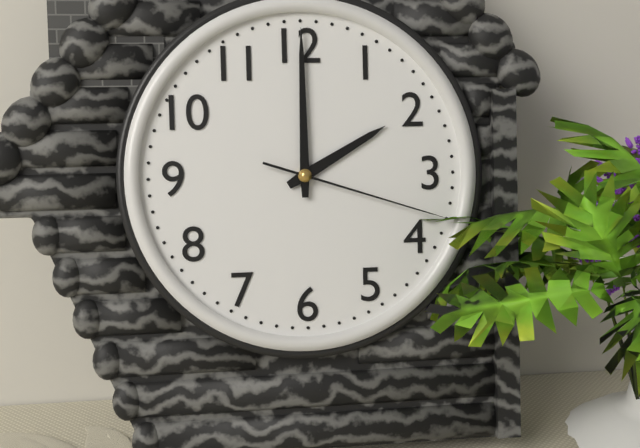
**2:00:18**
